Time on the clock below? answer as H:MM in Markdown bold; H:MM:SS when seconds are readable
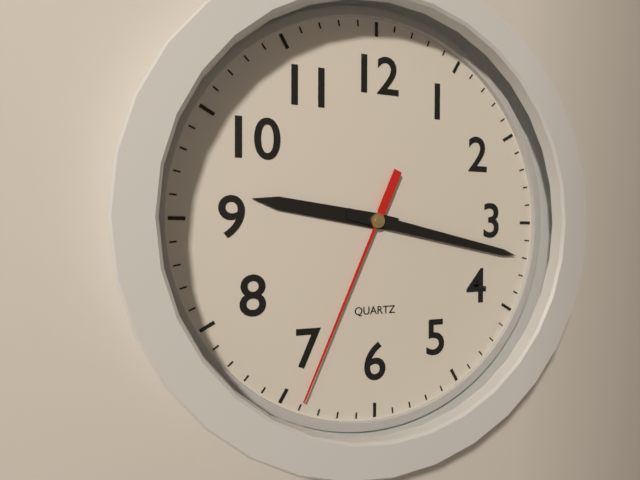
**9:17:34**
